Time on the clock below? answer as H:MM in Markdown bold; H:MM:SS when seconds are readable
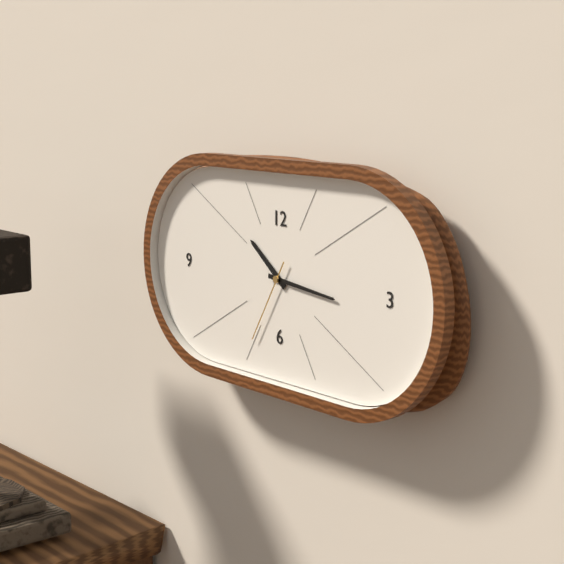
**10:16:35**
